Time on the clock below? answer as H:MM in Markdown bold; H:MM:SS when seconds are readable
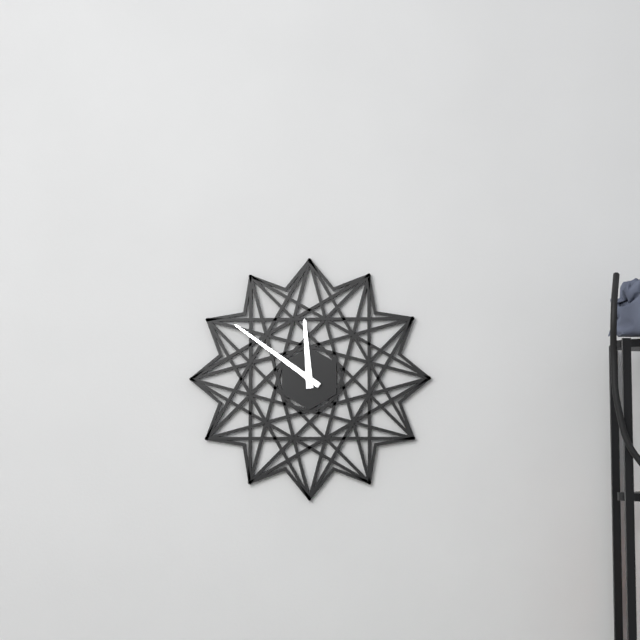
**11:51**
